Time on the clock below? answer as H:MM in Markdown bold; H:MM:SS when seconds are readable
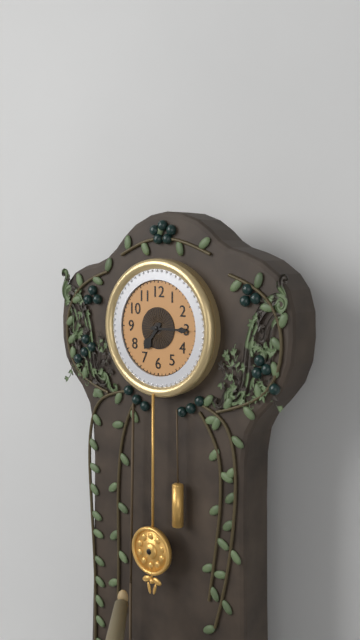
**7:15**
